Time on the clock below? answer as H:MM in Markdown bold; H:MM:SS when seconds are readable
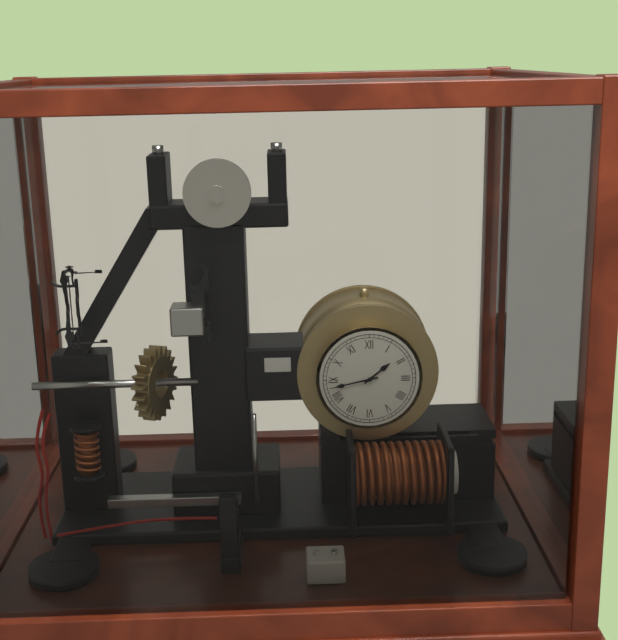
**1:43**
